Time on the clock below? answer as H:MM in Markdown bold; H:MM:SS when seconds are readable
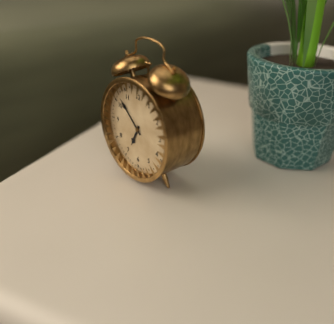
**6:52**
